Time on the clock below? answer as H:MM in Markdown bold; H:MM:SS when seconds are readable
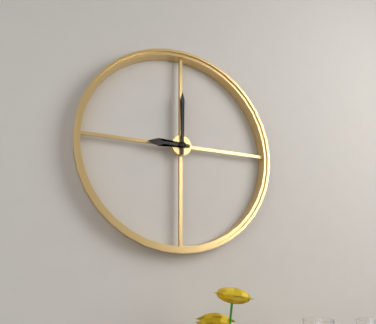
**9:00**
